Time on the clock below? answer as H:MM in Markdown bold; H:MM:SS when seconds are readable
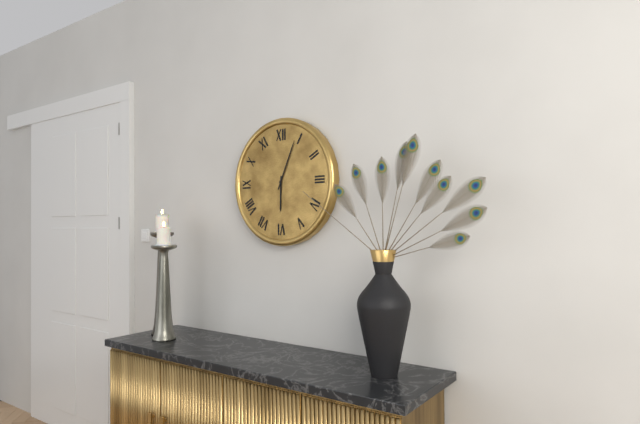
**6:04**
